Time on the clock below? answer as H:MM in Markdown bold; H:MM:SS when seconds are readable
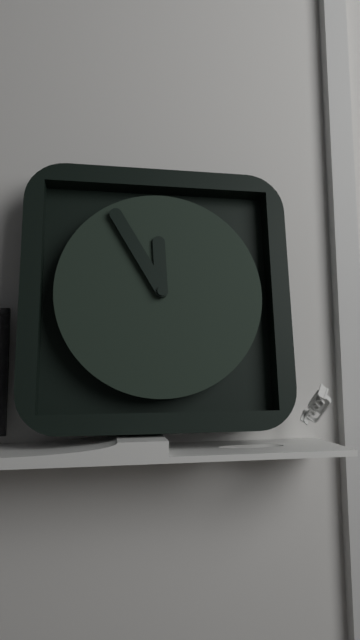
**11:55**
